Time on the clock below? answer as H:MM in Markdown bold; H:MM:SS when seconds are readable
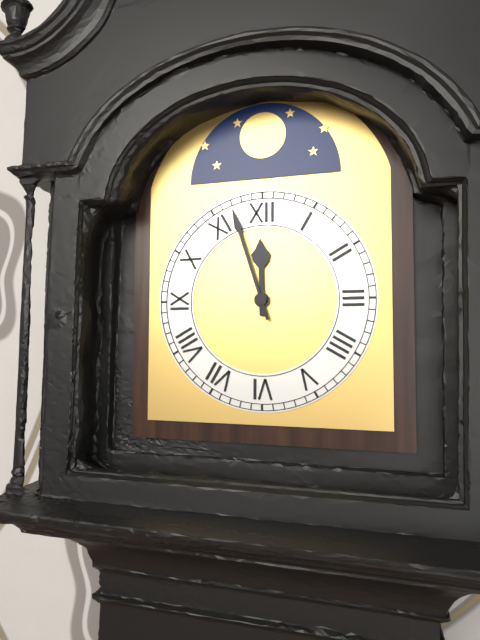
**11:57**
